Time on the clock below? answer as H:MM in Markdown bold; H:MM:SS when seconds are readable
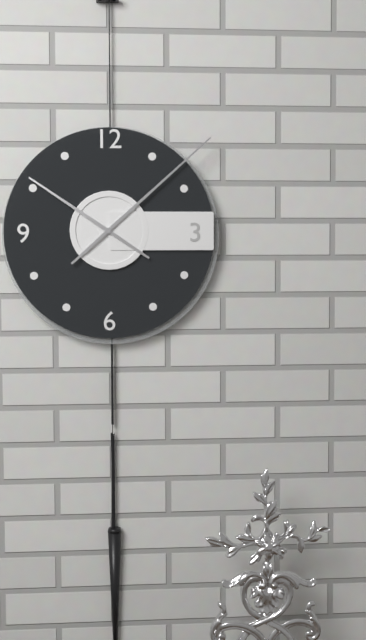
**10:08**
